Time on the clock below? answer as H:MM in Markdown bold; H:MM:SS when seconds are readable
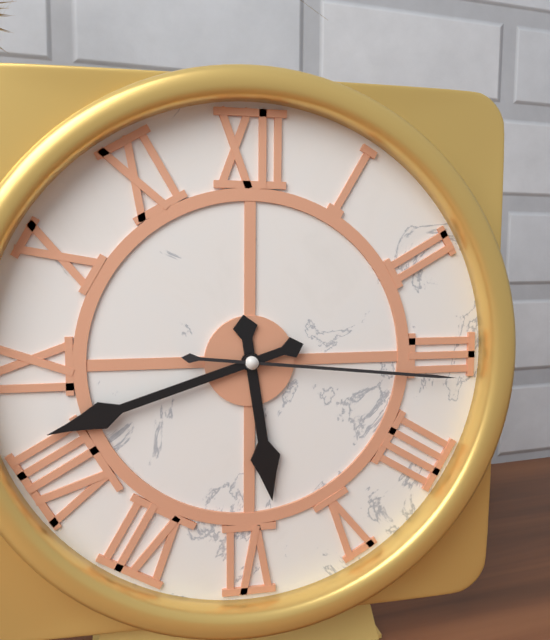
**5:42:16**
